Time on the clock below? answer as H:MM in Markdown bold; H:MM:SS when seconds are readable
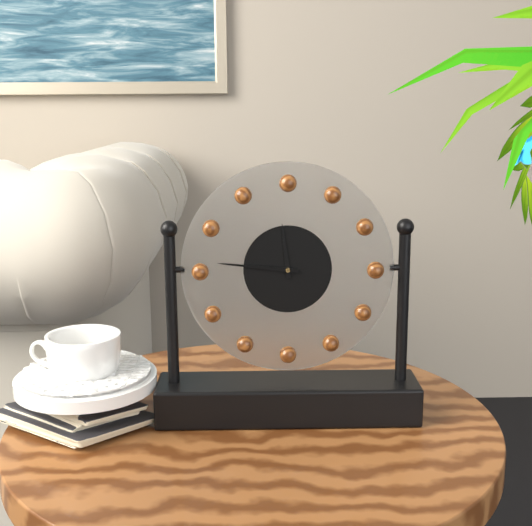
**11:46**
